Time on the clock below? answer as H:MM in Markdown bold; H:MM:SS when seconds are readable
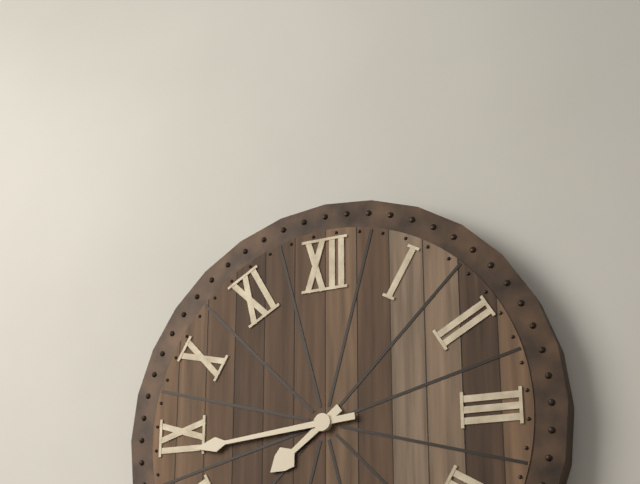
**7:44**
